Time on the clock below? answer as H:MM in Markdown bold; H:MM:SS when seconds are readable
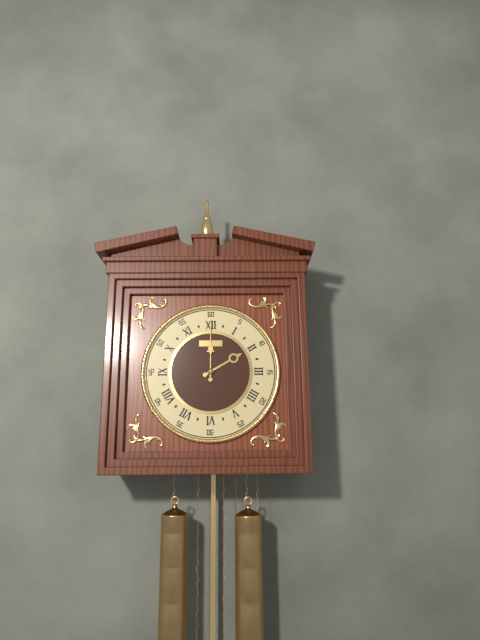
**2:00**
